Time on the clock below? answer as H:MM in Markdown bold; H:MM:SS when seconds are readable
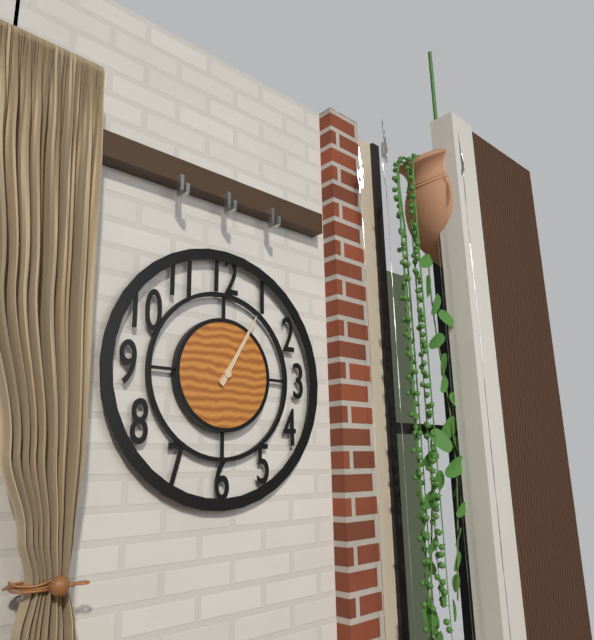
**1:05**
